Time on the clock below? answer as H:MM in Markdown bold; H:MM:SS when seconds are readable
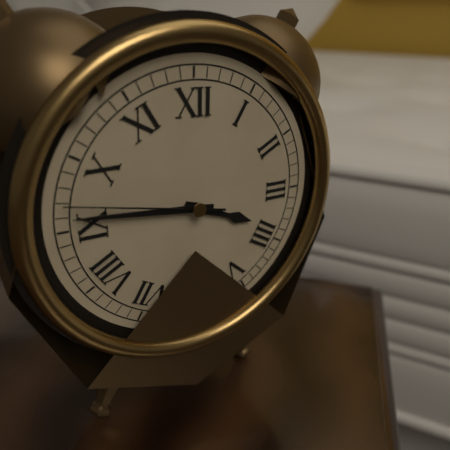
**3:46:47**
